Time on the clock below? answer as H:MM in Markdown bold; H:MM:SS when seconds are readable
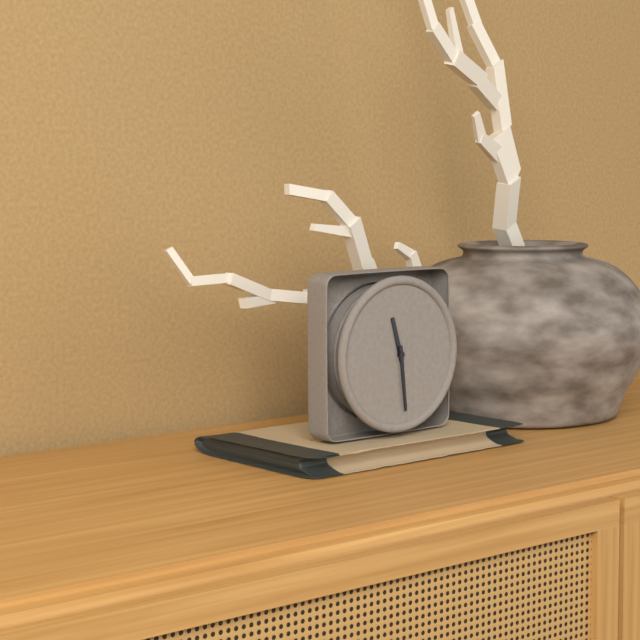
**11:29**
